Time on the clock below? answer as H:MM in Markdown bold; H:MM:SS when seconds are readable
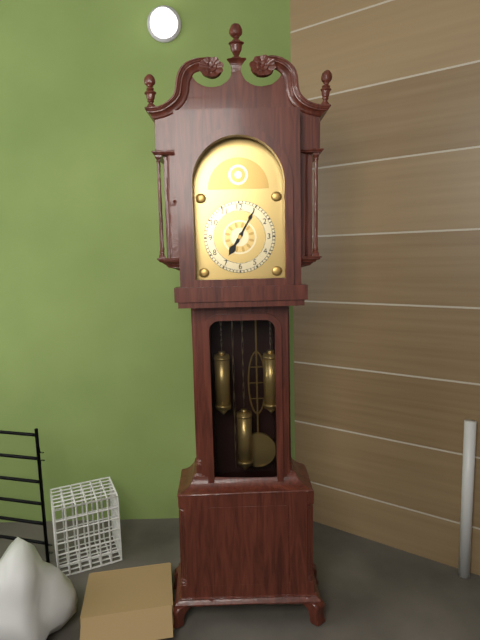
**7:05**
